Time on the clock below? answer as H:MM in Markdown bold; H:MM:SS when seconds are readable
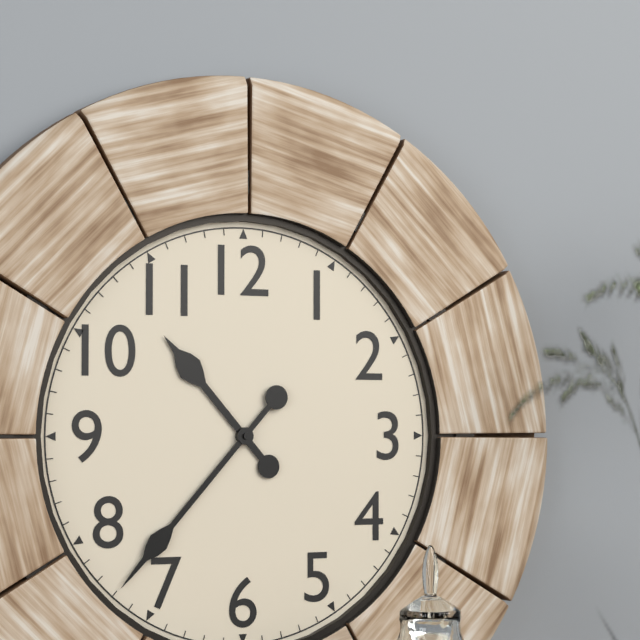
**10:37**
